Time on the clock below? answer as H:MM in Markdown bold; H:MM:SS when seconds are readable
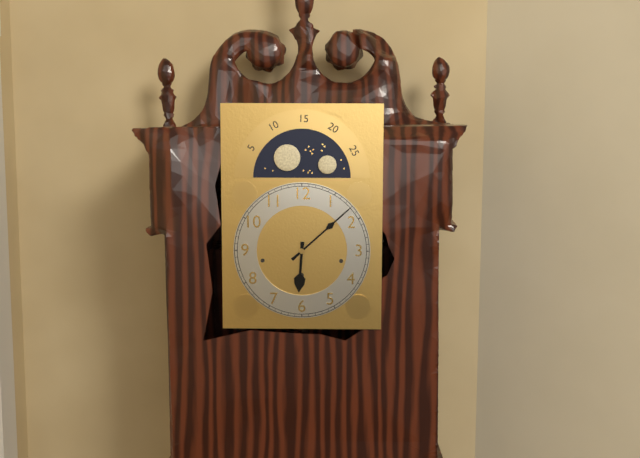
**6:08**
